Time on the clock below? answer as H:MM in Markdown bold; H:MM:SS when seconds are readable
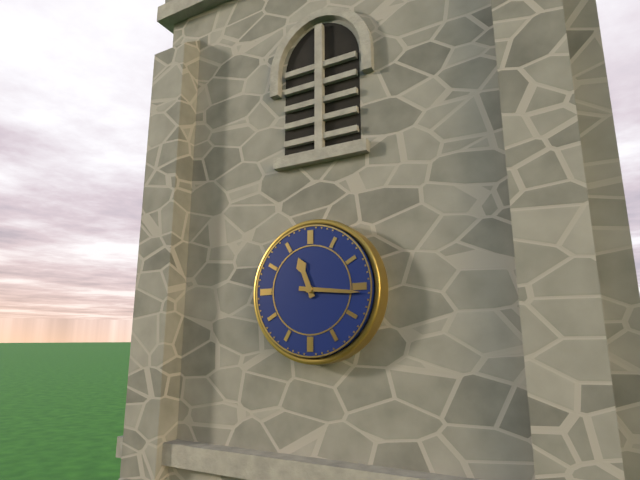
**11:16**
